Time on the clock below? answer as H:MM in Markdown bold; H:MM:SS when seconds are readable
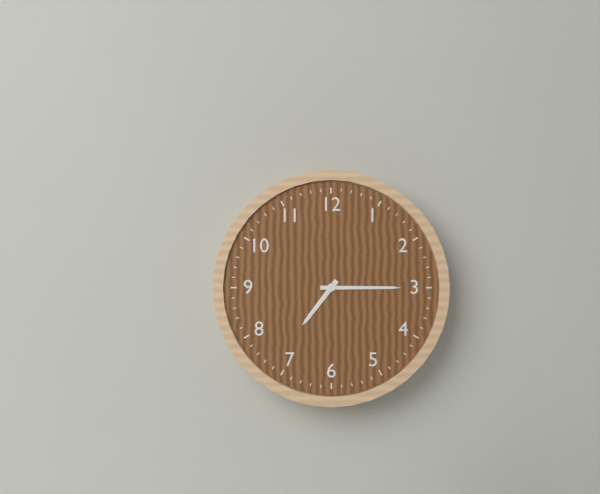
**7:15**
